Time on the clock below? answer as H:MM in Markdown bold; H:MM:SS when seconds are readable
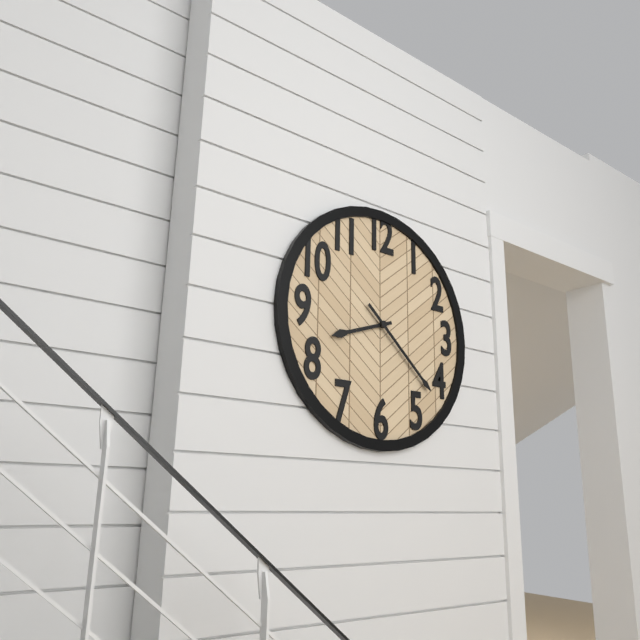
**8:22**
